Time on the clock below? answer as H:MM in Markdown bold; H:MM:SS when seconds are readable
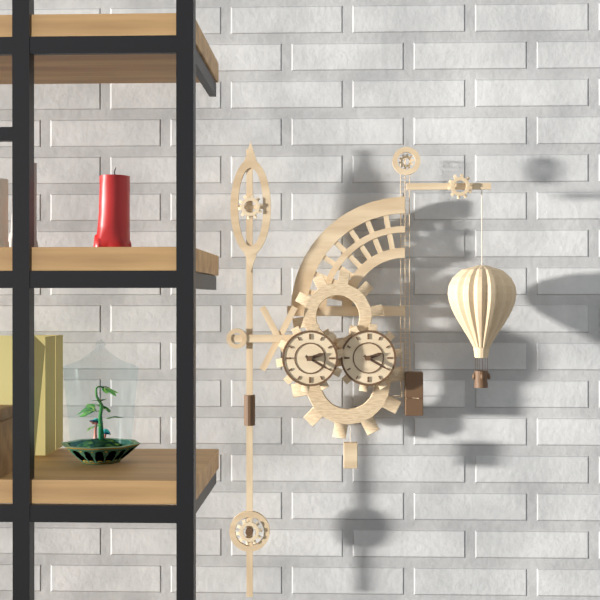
**2:20**
